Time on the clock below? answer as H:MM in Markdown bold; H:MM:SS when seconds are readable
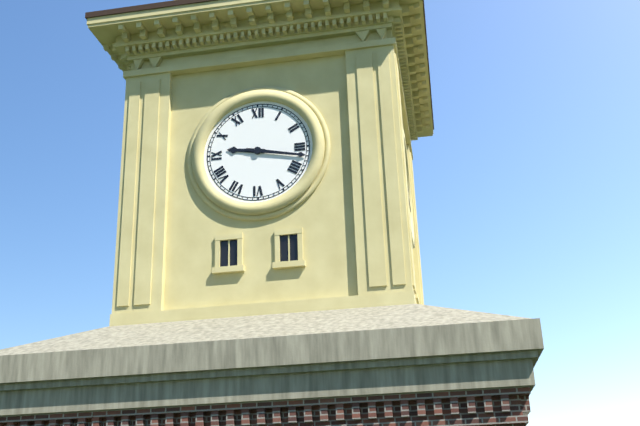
**9:17**
